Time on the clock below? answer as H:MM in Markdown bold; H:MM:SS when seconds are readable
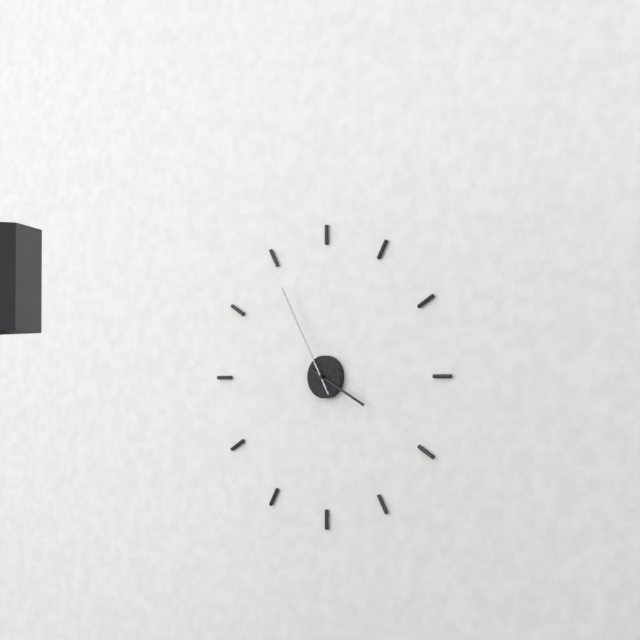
**3:55**
